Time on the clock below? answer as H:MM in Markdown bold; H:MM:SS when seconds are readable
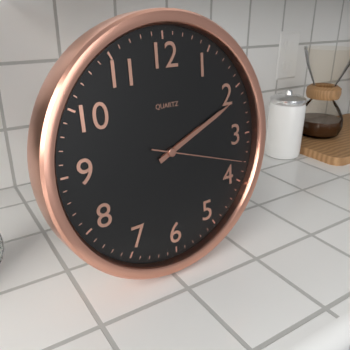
**2:11:18**
